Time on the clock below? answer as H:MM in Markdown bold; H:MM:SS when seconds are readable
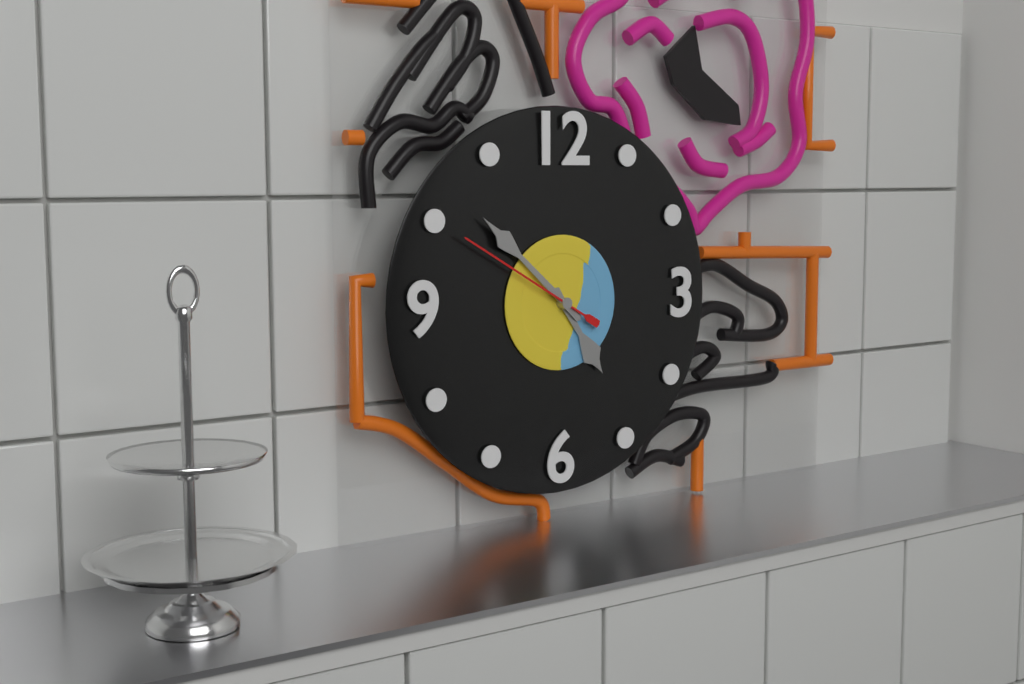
**4:52:50**
